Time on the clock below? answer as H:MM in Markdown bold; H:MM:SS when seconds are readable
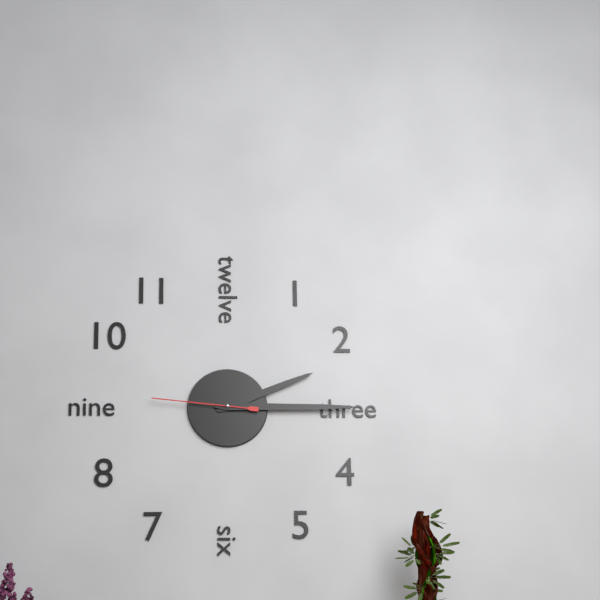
**2:15:46**
